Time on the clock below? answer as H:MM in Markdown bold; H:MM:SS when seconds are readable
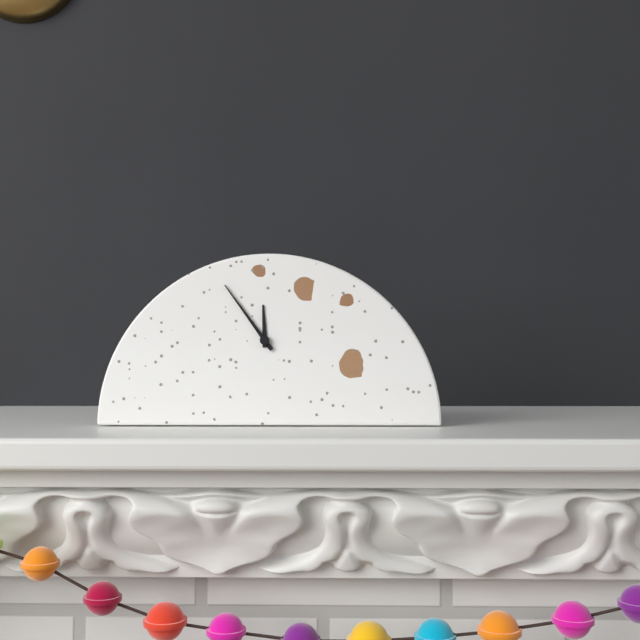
**11:54**
